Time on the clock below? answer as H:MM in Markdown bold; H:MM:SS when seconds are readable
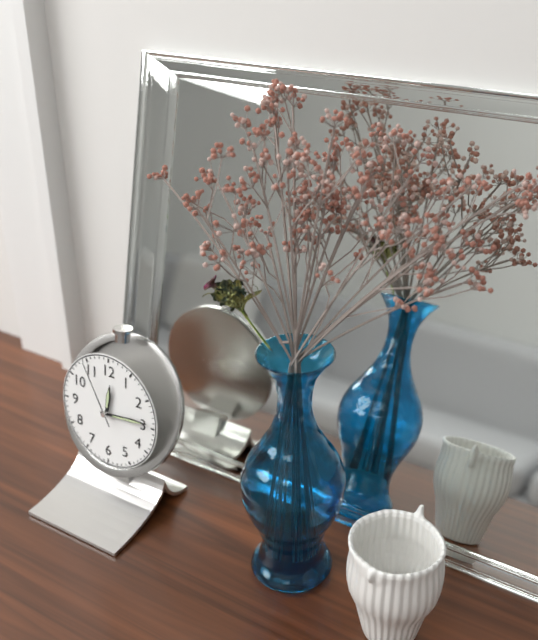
**12:14:55**
